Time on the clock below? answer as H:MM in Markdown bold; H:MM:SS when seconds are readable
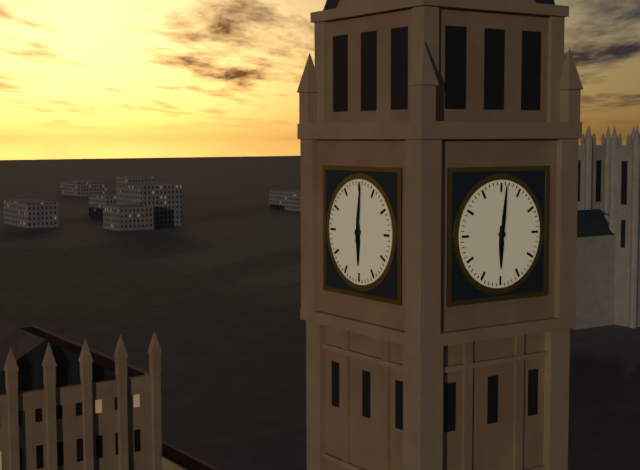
**6:01**
